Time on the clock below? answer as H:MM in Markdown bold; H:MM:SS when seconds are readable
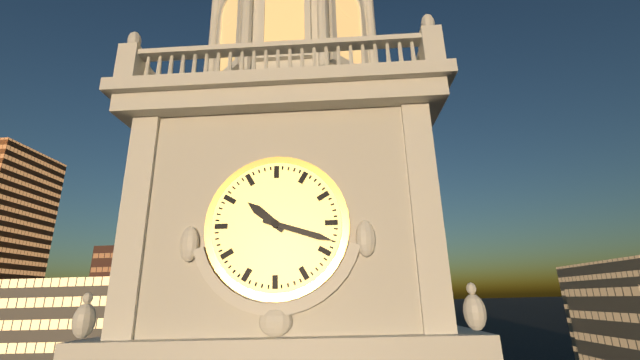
**10:18**
